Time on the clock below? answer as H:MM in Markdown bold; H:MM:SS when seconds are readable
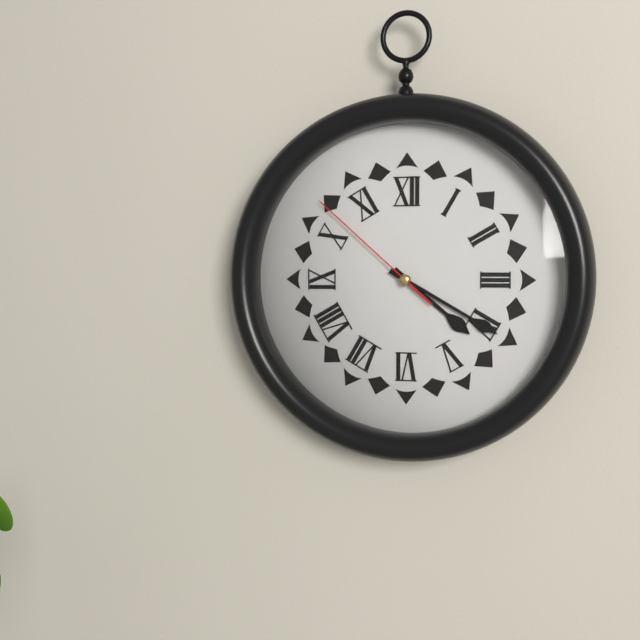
**4:20:52**
